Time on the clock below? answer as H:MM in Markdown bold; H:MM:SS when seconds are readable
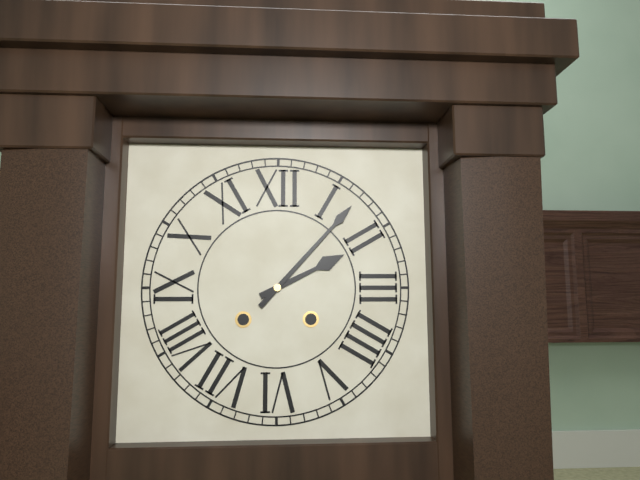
**2:07**
